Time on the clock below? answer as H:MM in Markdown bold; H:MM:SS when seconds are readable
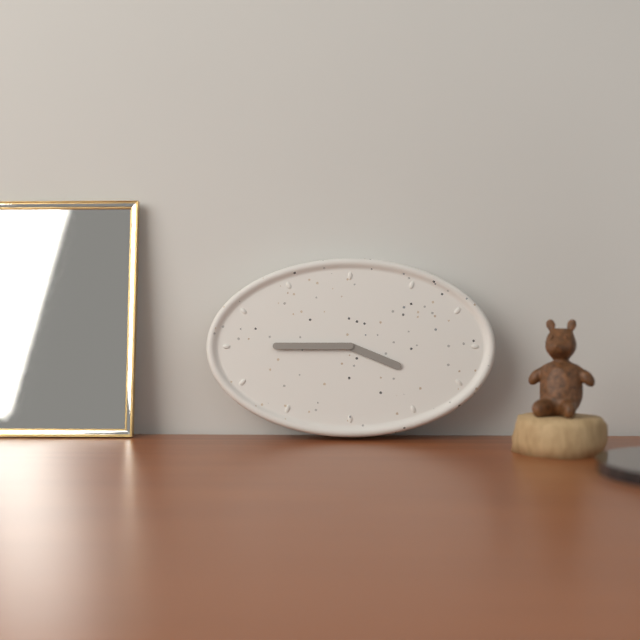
**3:45**
